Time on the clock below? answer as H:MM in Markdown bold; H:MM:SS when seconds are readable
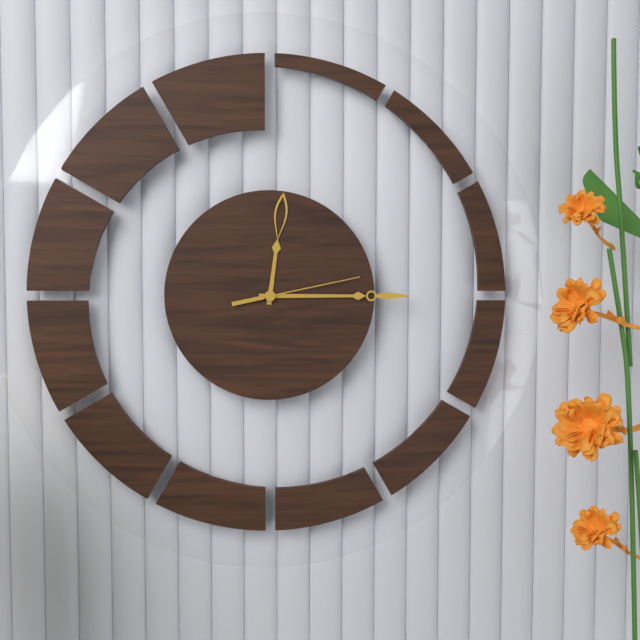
**12:15:13**
